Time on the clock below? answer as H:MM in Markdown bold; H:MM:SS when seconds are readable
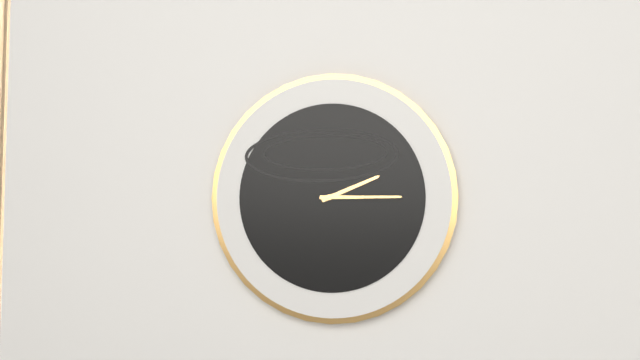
**2:15**
